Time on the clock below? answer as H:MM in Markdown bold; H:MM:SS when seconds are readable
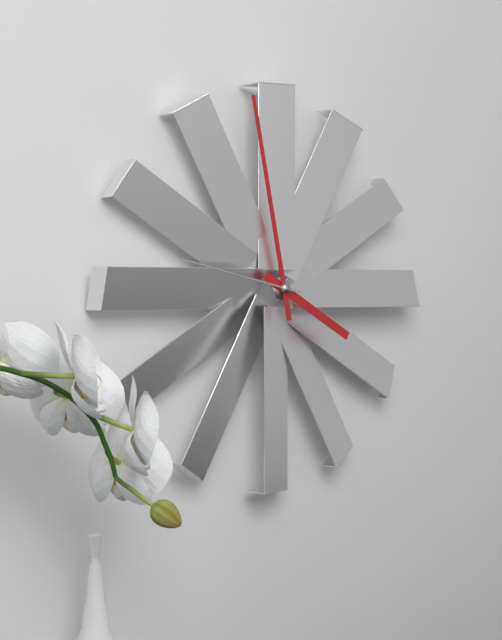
**3:58:47**
